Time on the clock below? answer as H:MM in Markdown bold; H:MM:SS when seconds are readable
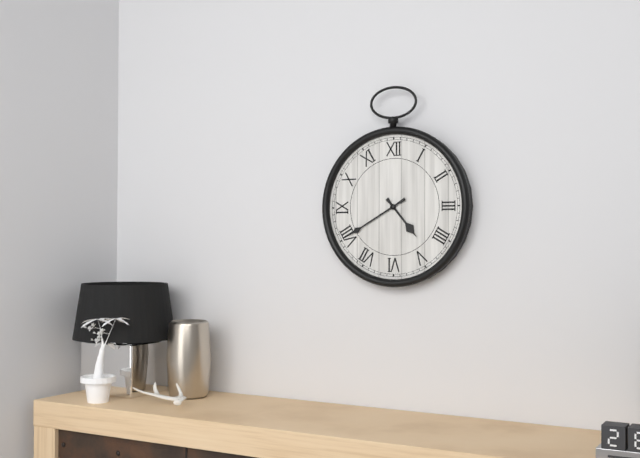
**4:40**
